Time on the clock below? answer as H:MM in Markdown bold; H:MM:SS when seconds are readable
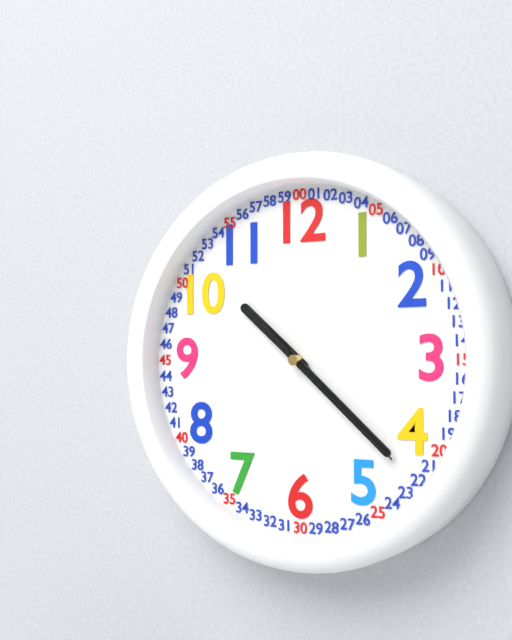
**10:22:22**
